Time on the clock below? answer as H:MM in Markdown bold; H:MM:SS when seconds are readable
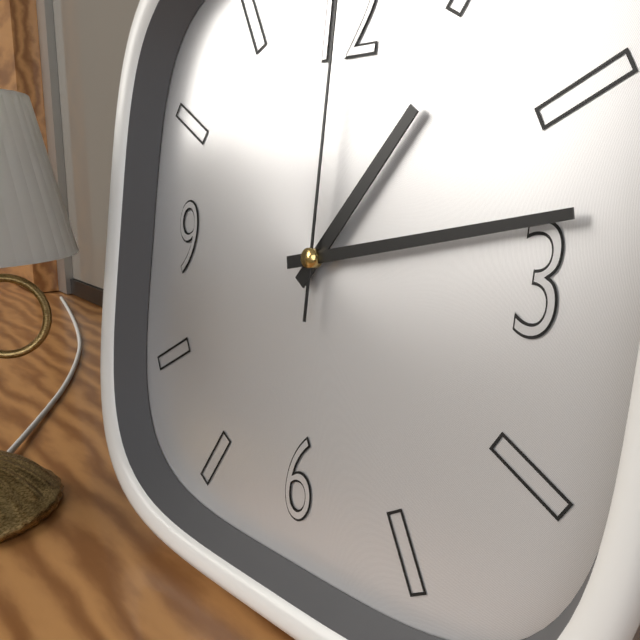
**1:13**
